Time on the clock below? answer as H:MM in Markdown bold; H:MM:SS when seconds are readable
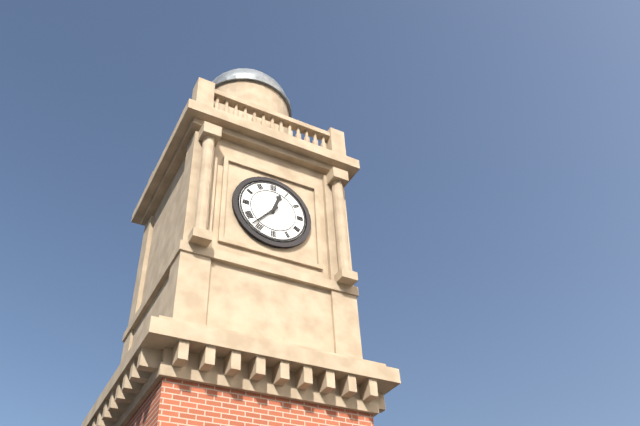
**12:37**
